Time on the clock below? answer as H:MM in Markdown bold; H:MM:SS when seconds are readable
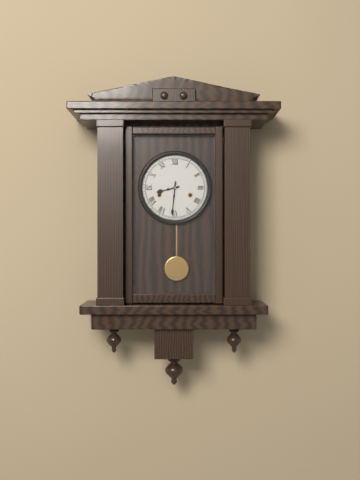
**8:31**
